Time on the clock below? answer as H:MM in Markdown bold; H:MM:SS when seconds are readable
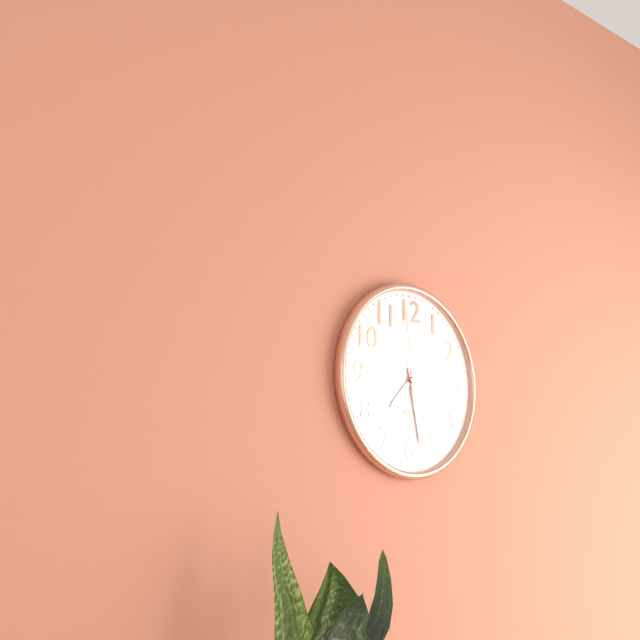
**7:28:59**
